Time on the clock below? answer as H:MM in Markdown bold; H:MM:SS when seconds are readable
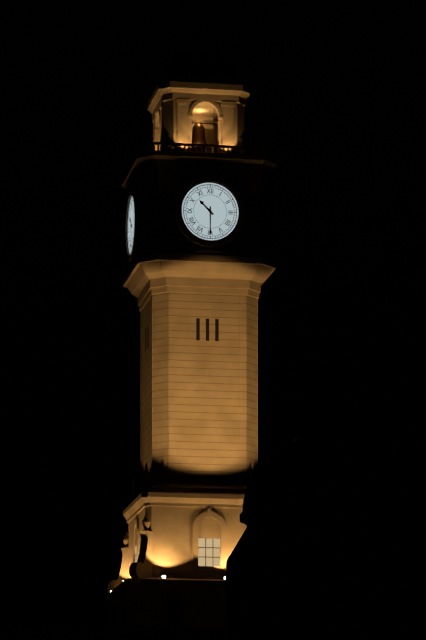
**10:30**
